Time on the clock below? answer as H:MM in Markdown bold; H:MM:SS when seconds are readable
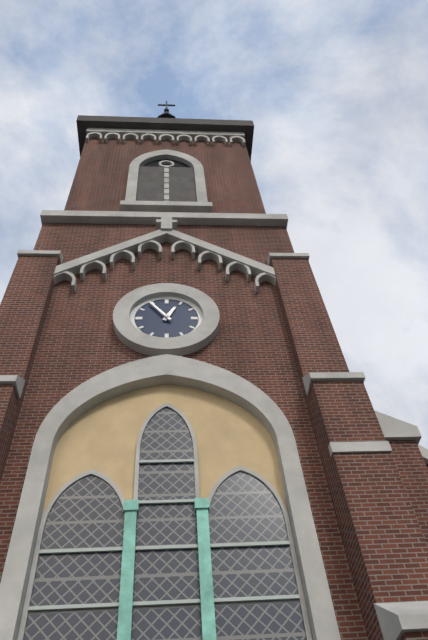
**12:54**
